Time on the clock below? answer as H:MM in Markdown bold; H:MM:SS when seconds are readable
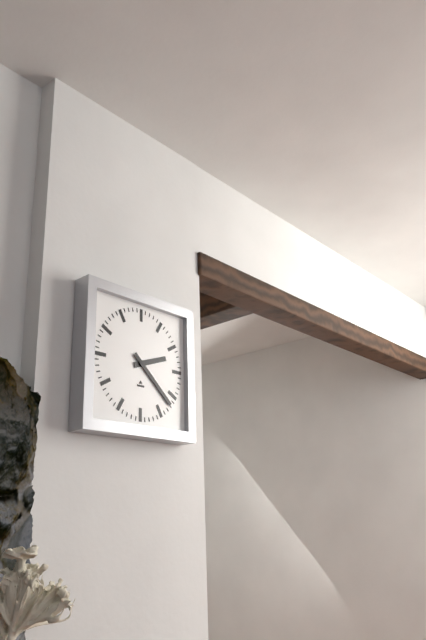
**2:22**
